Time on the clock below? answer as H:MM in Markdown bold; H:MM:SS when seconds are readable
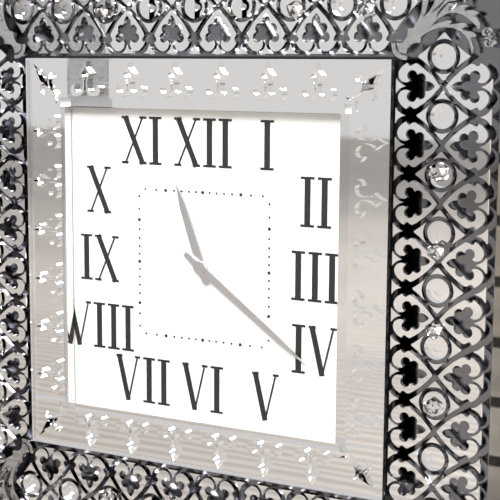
**11:21**
